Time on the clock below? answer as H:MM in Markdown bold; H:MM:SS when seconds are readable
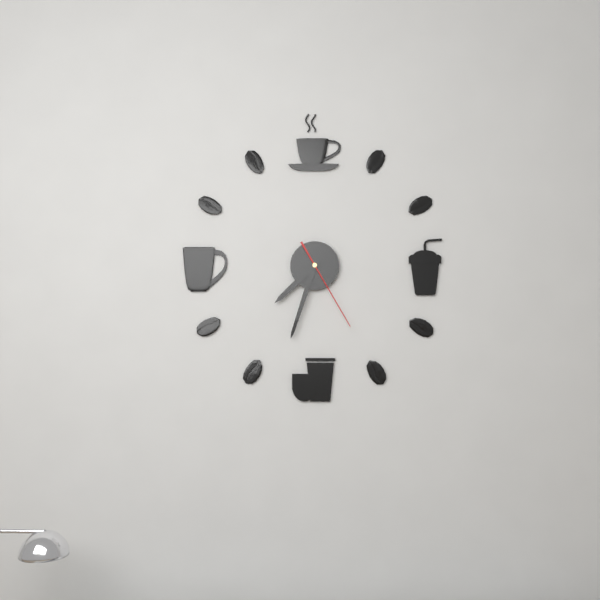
**7:33:25**
